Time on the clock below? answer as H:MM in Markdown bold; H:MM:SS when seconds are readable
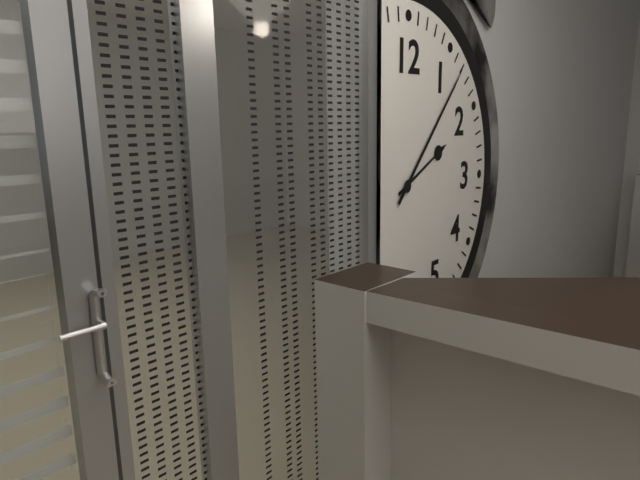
**2:07**
